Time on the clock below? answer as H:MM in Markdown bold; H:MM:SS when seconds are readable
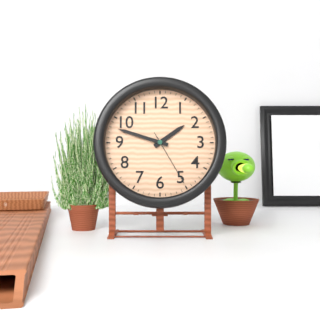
**1:48:25**
